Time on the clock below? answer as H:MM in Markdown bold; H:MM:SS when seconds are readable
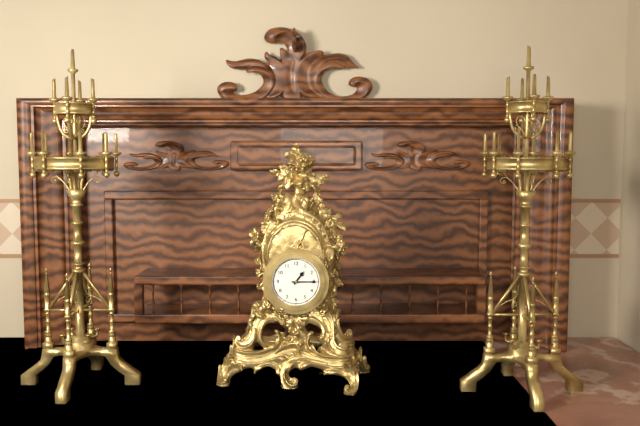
**1:15**
